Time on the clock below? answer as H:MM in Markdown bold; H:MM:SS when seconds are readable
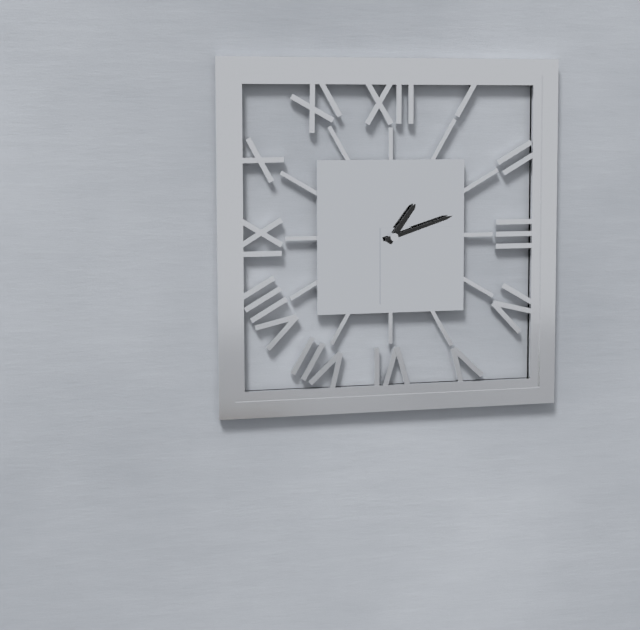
**1:12**
